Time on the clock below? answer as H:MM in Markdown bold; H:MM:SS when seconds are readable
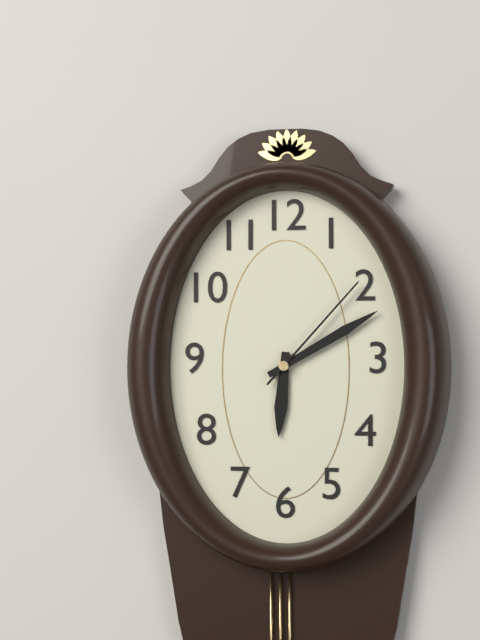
**6:10:07**
